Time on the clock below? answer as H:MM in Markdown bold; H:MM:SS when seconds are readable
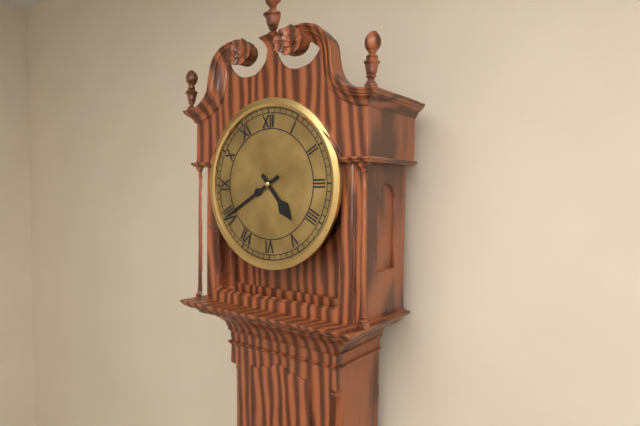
**4:40**
